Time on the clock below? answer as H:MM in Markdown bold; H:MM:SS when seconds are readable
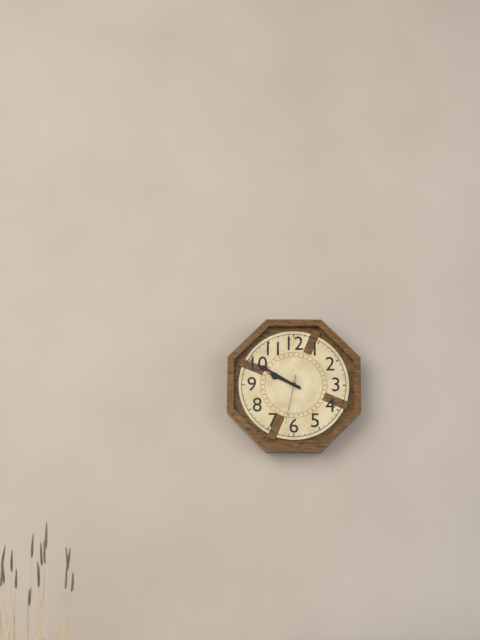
**9:50**
